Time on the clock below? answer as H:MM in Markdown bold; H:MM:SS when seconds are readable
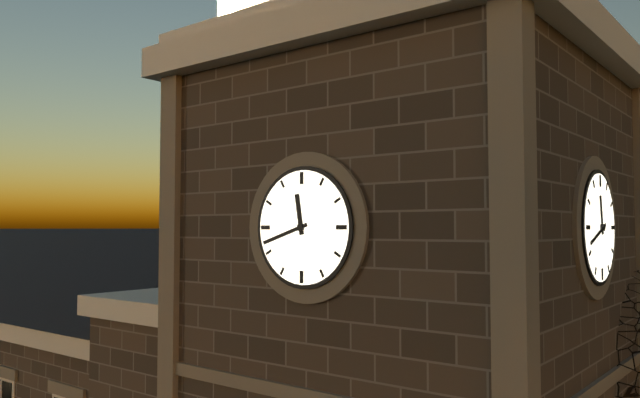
**11:42**
